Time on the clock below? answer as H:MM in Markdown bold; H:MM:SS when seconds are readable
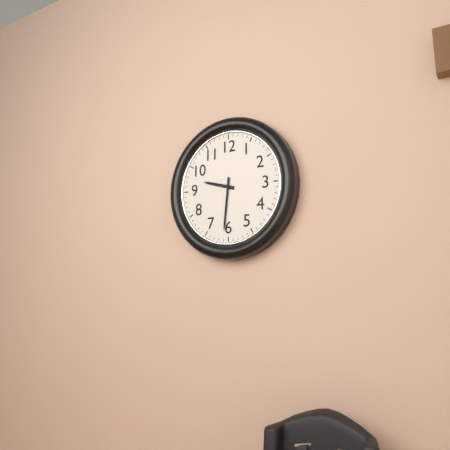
**9:31**
